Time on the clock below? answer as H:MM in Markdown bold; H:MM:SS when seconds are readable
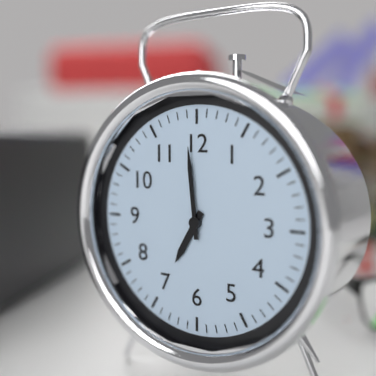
**6:59**
